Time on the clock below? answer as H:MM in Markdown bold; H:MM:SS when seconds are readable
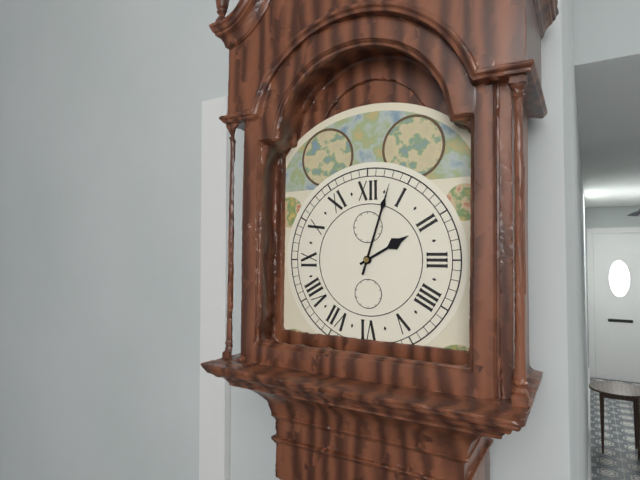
**2:03**
